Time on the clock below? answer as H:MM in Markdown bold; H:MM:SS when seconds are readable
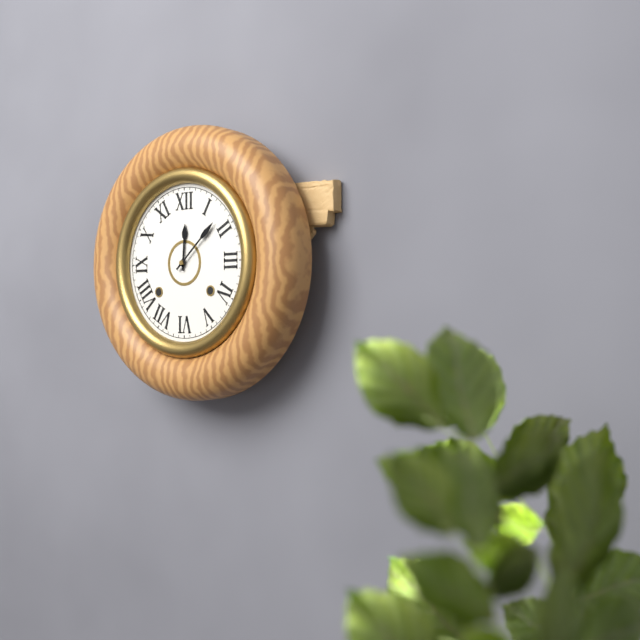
**12:08**
